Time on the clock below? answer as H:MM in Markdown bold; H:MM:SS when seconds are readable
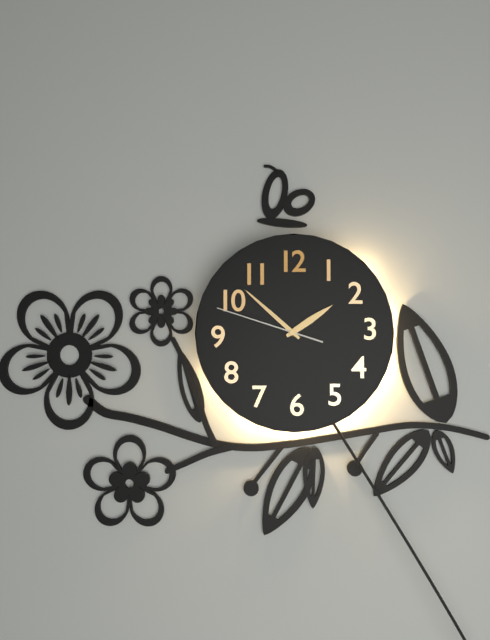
**1:52:48**
